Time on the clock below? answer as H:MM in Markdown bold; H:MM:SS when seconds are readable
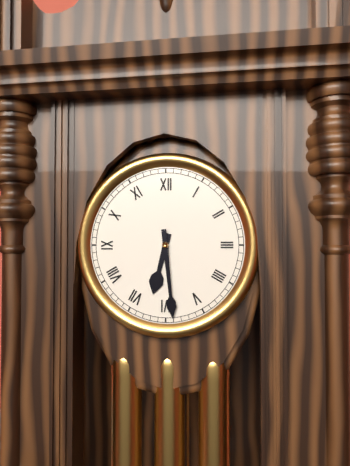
**6:29**
